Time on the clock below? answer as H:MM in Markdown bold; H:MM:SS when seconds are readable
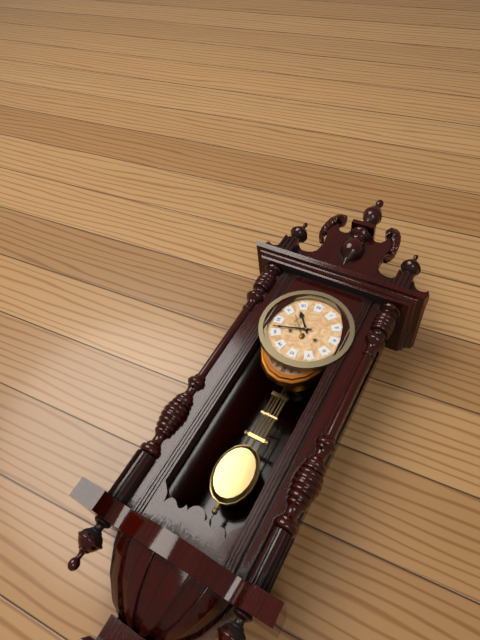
**10:42**
